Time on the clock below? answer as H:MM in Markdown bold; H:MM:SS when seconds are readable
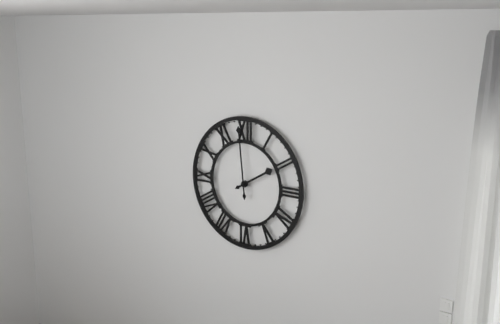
**1:59**
